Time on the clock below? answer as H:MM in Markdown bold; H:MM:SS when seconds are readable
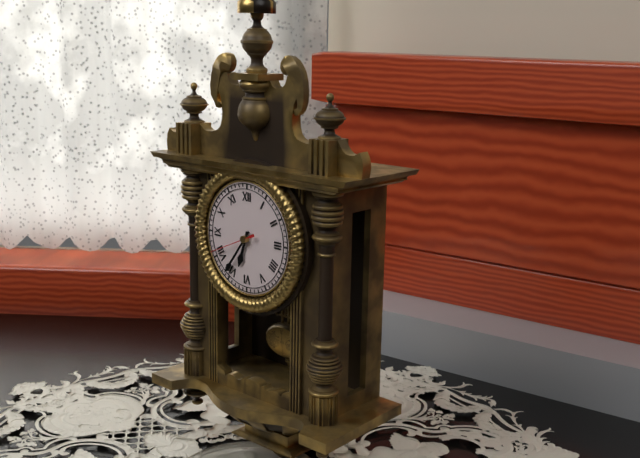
**6:36**
